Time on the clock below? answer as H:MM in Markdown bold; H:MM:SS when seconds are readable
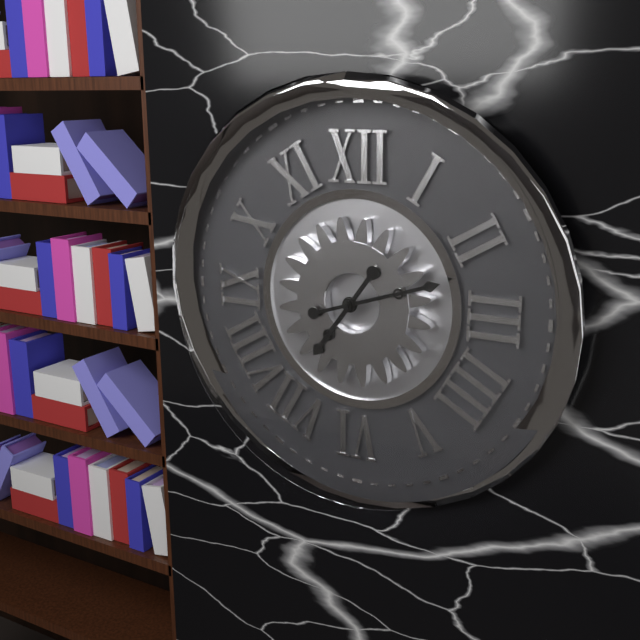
**7:12**
